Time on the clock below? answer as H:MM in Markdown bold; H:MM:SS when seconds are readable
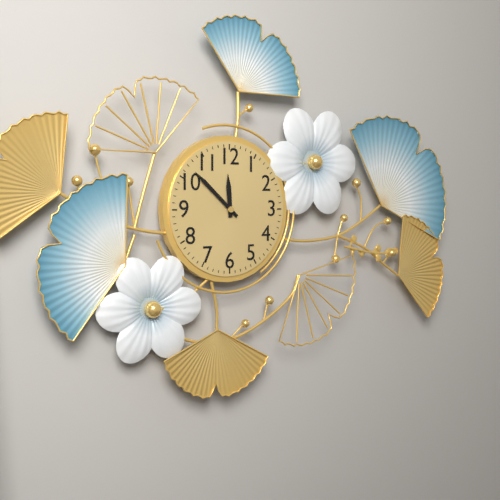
**11:52**
